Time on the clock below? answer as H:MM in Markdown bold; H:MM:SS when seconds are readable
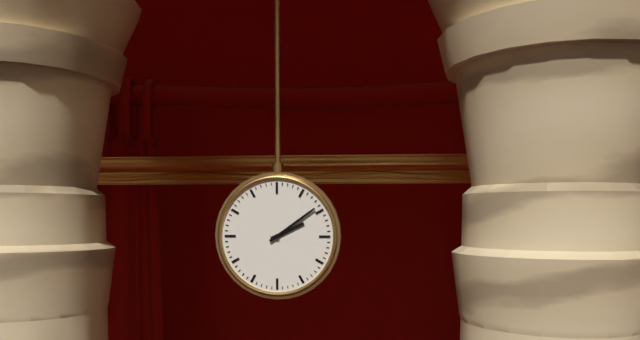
**2:09**
